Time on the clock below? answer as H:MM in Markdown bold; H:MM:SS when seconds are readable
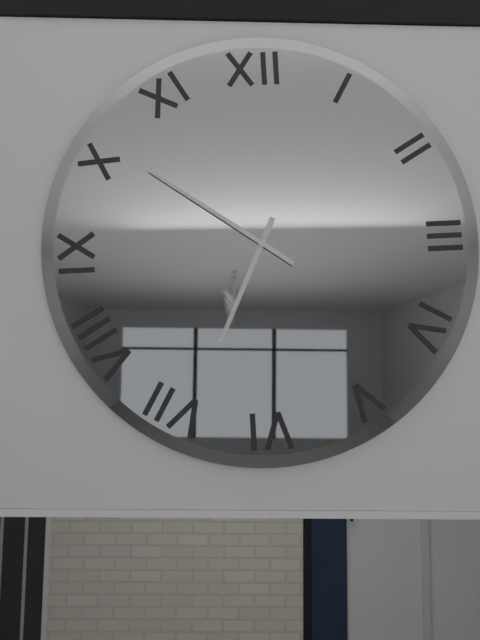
**6:51**
